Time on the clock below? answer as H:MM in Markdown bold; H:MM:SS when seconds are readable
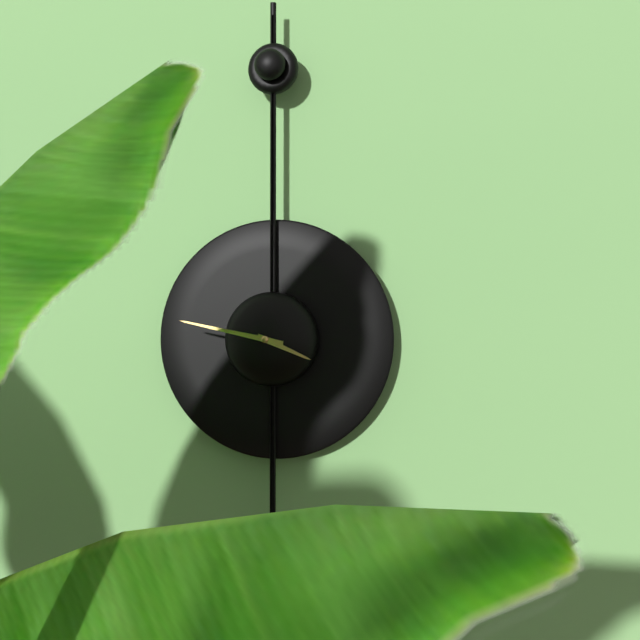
**3:47**
